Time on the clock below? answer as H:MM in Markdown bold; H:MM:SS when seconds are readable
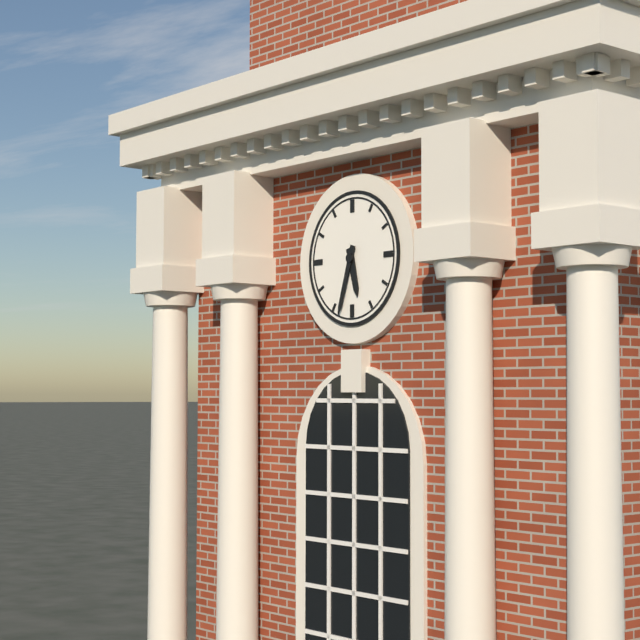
**5:33**
